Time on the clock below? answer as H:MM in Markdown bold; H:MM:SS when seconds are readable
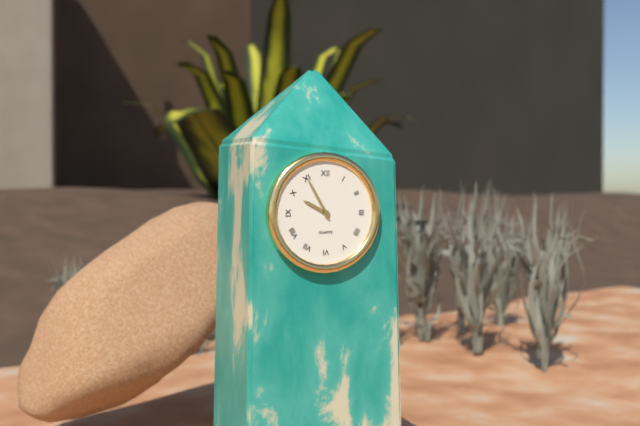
**9:55**
